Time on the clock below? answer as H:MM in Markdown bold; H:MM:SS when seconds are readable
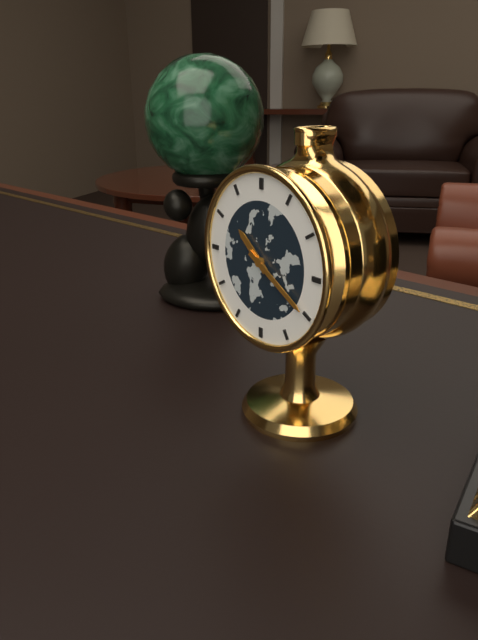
**10:20**
